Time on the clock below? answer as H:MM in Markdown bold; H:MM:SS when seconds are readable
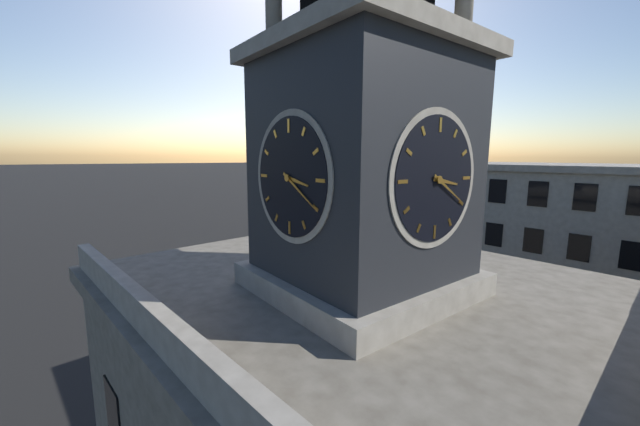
**3:20**
